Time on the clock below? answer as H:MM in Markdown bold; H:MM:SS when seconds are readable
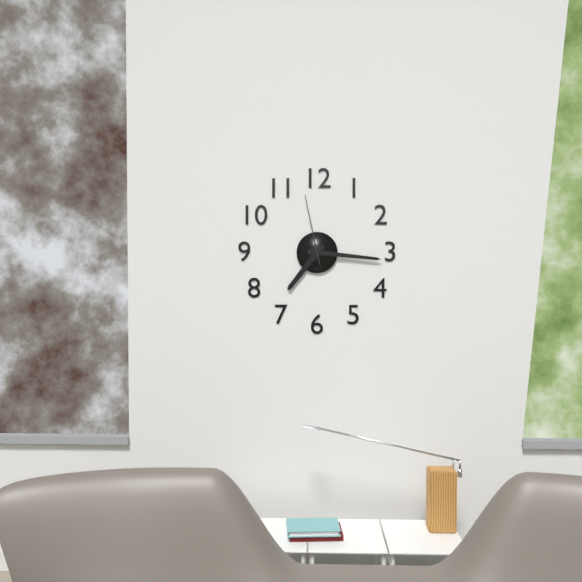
**7:16:58**
